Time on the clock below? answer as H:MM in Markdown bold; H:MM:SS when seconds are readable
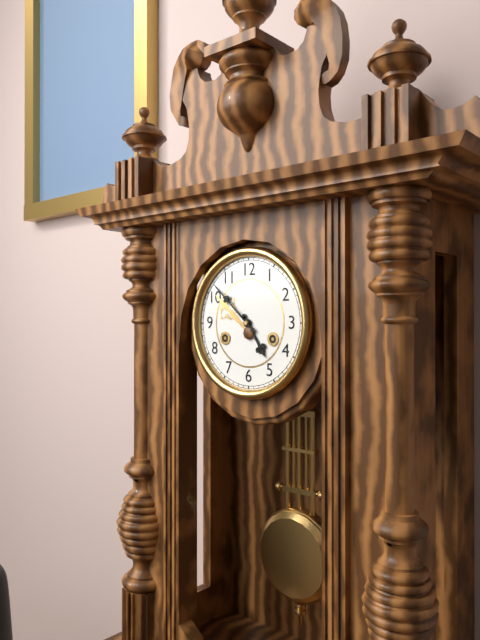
**4:52**
